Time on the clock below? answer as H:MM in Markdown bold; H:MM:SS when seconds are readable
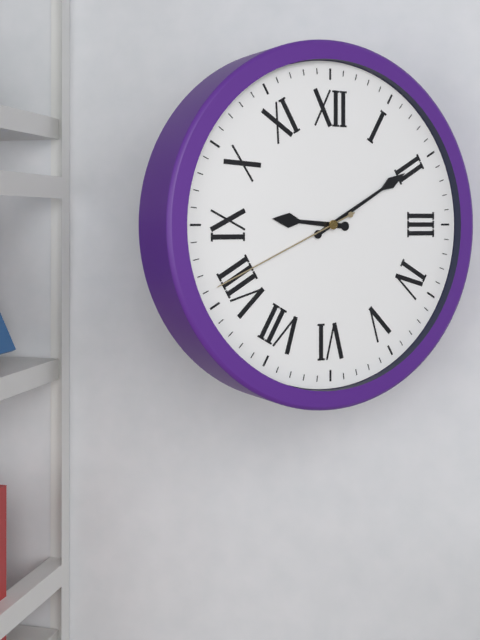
**9:10:41**
